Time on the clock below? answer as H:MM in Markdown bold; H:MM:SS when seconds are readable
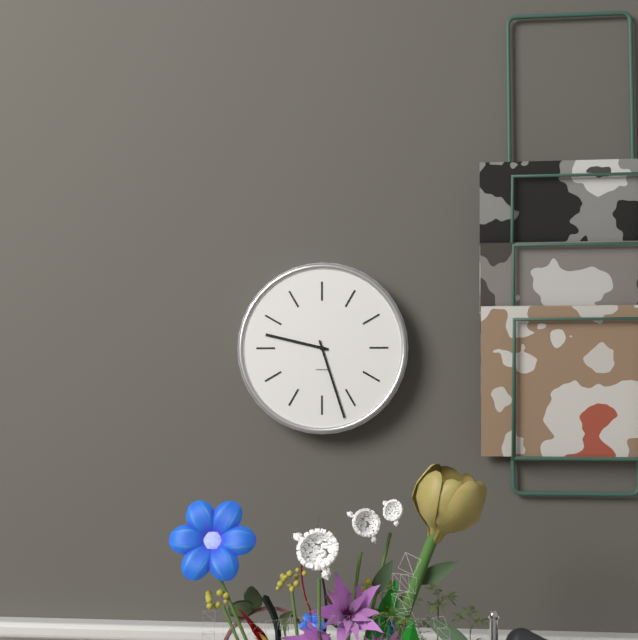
**9:27**
